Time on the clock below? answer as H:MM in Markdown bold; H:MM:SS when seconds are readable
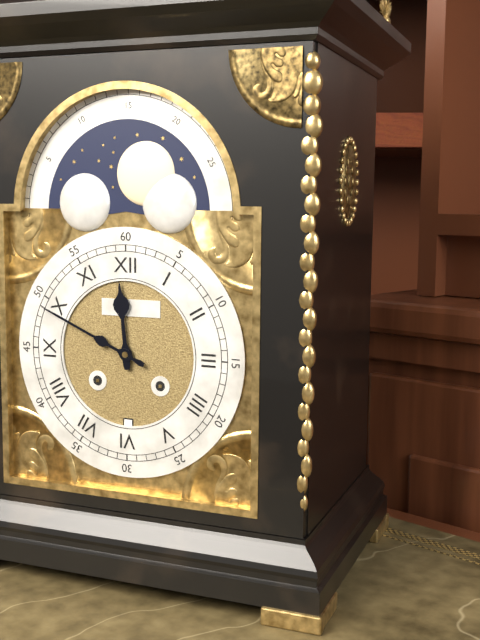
**11:49**
